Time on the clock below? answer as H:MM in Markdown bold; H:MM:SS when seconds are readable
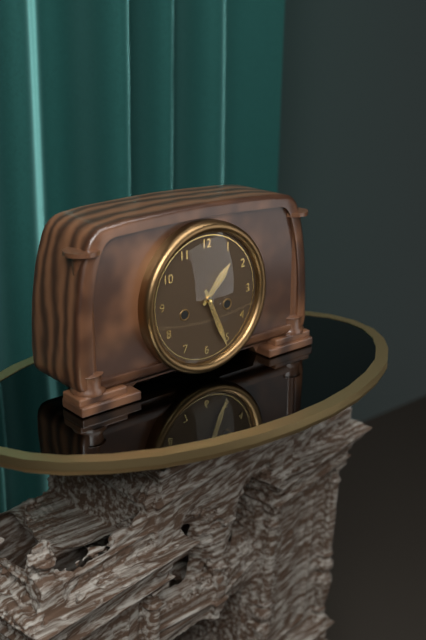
**1:26**
